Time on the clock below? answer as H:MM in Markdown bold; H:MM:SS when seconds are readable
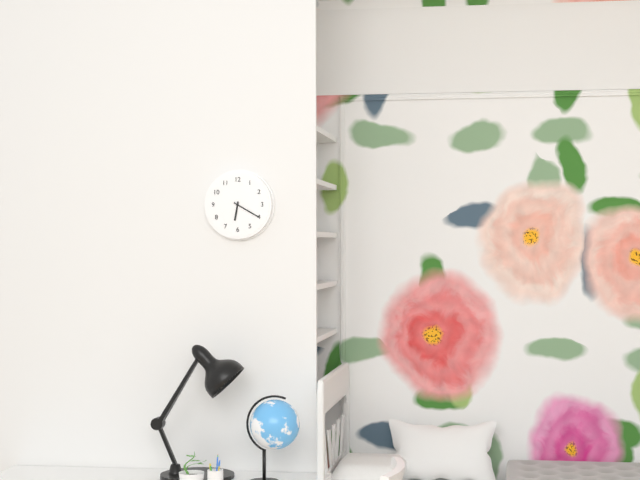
**6:20**
